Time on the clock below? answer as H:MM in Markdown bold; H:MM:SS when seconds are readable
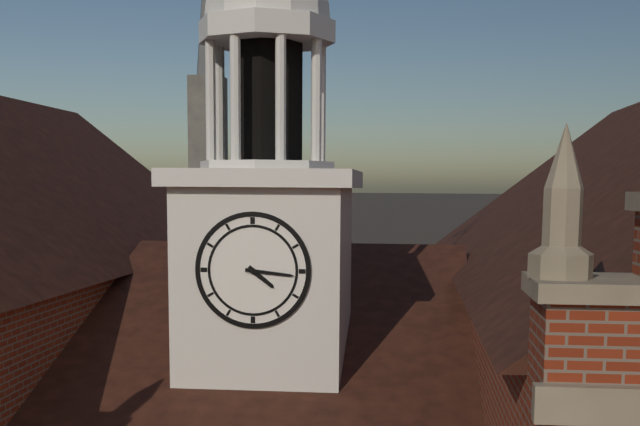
**4:16**
